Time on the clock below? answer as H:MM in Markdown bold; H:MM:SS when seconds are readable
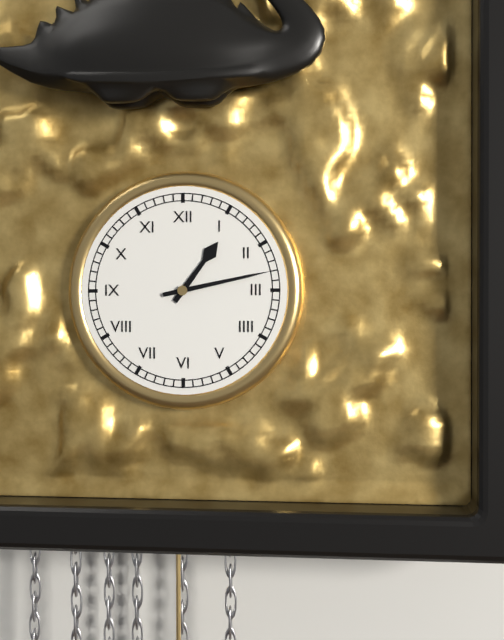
**1:13**
